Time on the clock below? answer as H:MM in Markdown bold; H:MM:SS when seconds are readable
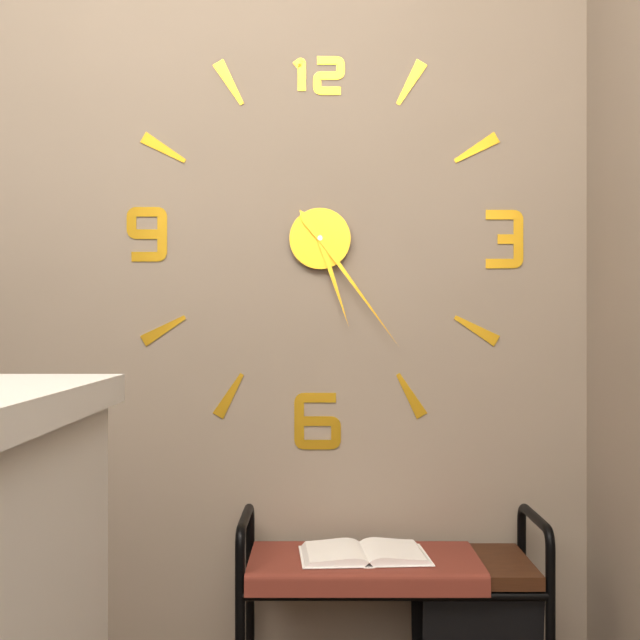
**5:24**
